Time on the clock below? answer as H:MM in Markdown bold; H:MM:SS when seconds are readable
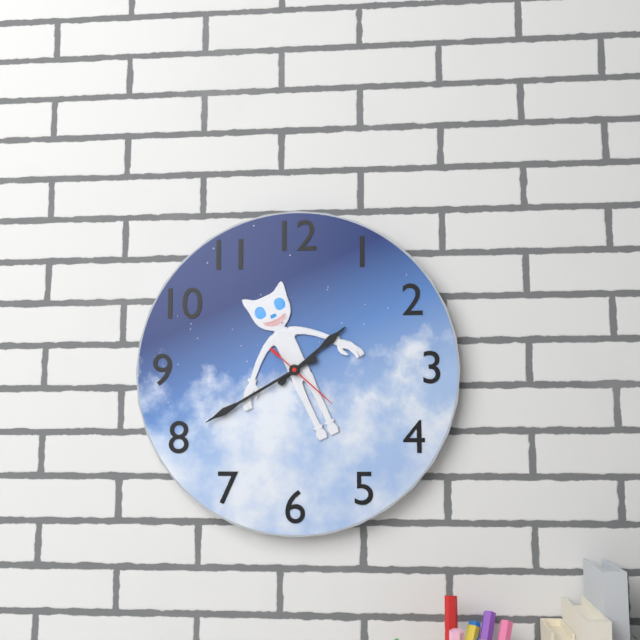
**1:40:22**
